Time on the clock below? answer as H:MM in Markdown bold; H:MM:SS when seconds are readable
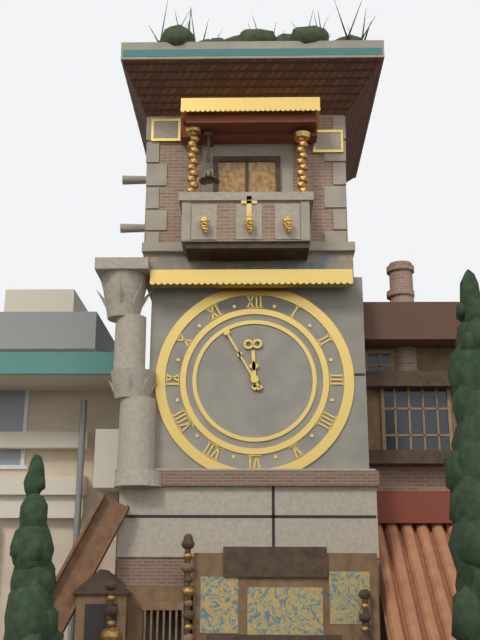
**11:55**
